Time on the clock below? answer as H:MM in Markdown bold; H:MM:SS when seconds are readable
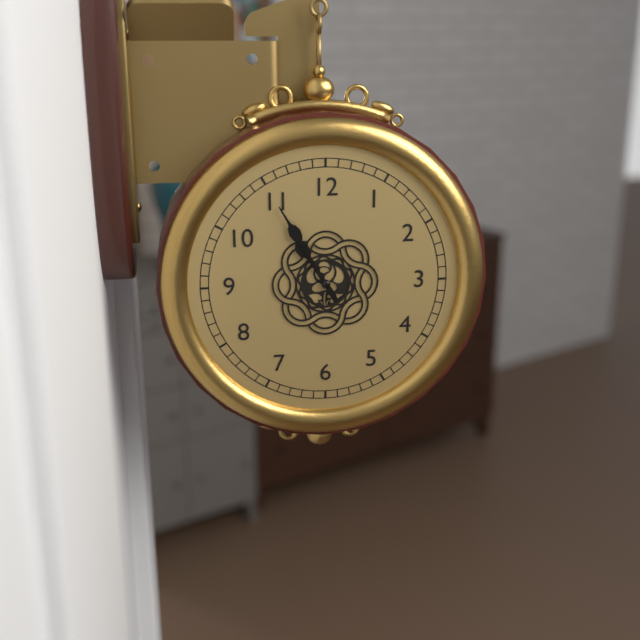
**10:55**
